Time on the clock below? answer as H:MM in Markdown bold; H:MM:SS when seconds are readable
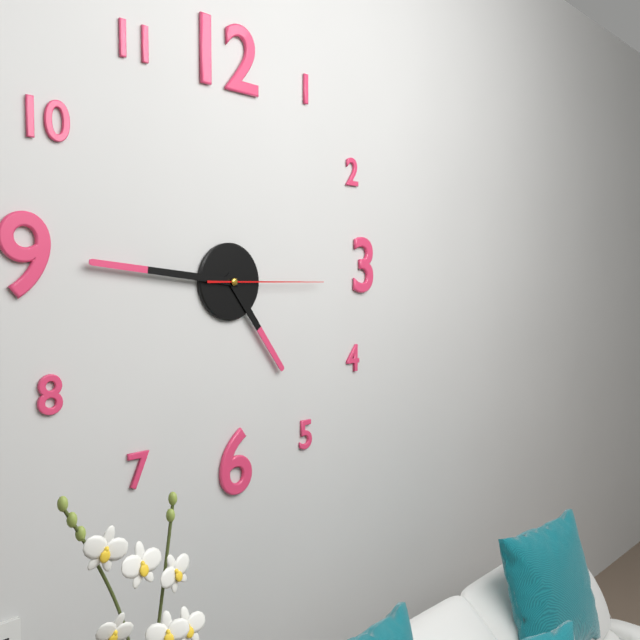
**4:46:15**
